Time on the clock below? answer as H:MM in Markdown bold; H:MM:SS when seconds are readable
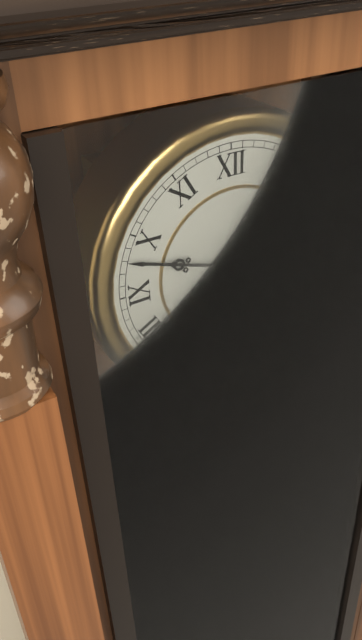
**7:48**
